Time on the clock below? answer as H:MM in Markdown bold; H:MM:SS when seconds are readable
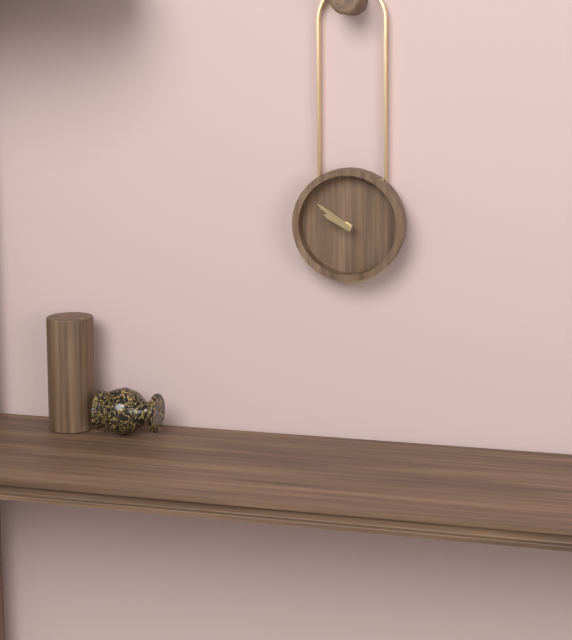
**9:51**
